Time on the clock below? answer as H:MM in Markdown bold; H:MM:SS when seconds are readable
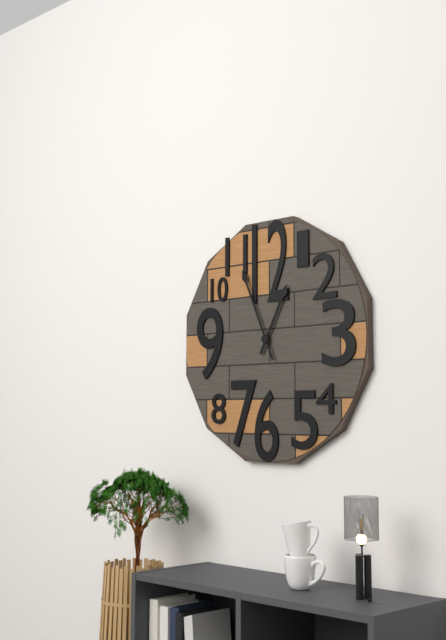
**12:56**
